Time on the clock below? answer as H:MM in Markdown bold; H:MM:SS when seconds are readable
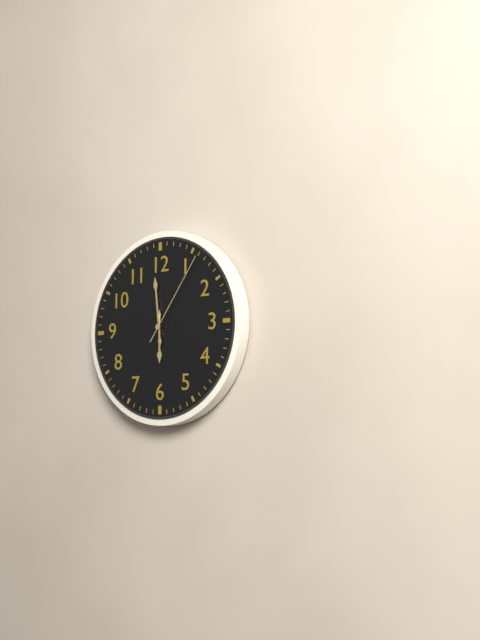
**5:59:06**
